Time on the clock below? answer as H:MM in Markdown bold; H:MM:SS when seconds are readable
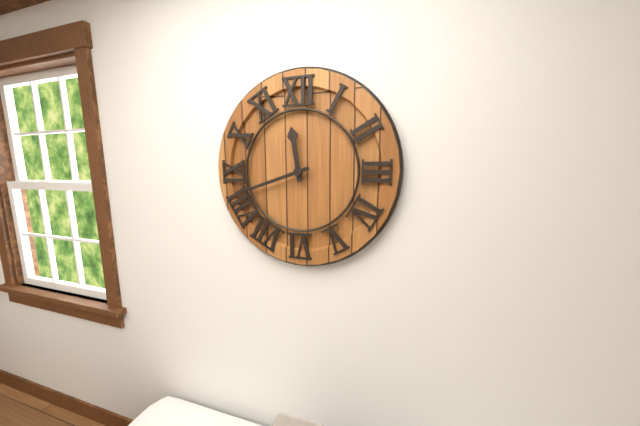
**11:42**
